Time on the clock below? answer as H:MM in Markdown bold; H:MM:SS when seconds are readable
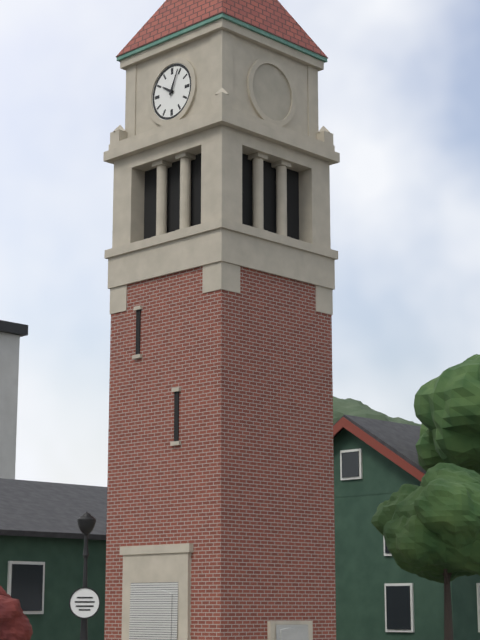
**10:04**
